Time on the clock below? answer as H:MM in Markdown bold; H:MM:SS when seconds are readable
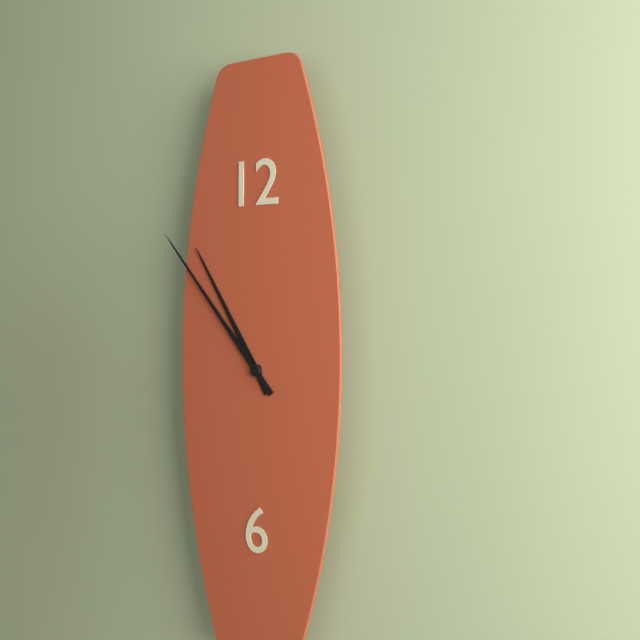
**10:53**
